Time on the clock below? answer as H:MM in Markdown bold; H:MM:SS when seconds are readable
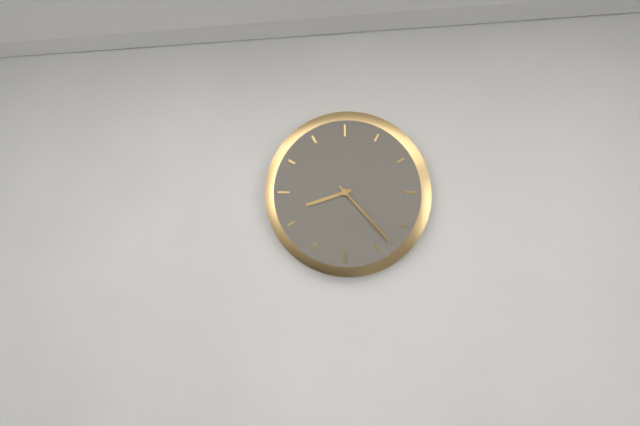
**8:23**
